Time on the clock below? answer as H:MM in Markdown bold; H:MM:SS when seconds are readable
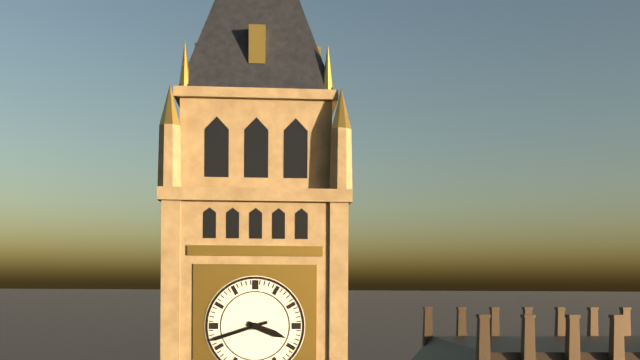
**3:42**
